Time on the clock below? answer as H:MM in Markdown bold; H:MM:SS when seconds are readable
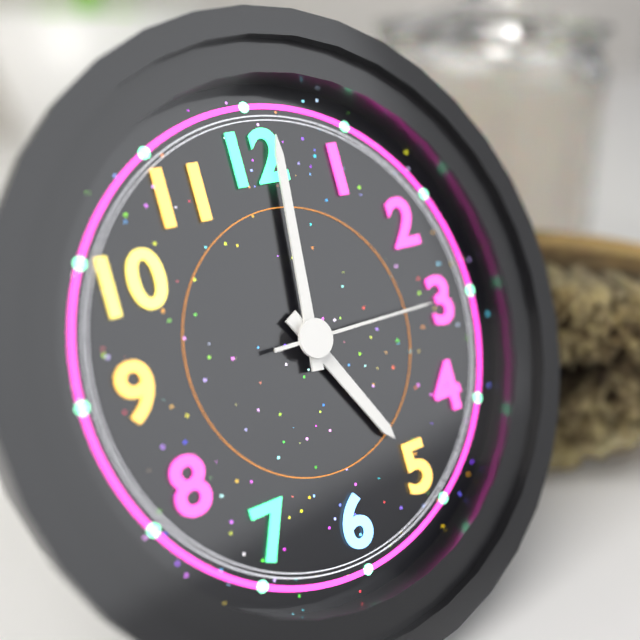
**5:01:15**
